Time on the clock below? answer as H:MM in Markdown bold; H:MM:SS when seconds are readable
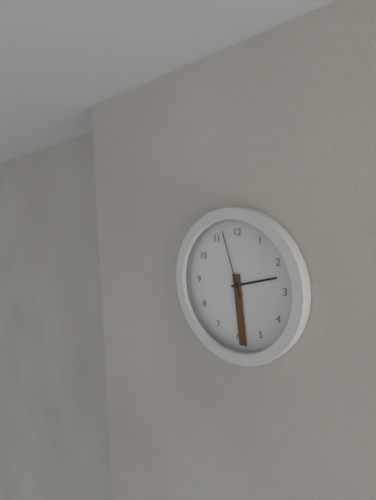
**2:29:57**
